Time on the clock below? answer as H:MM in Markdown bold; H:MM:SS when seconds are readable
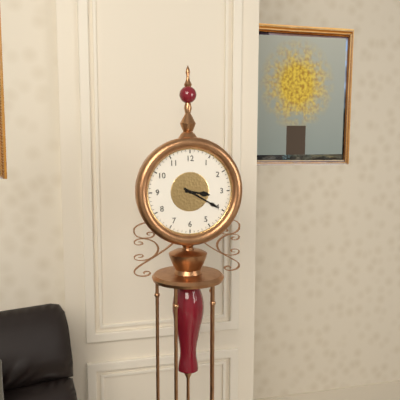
**3:20**
